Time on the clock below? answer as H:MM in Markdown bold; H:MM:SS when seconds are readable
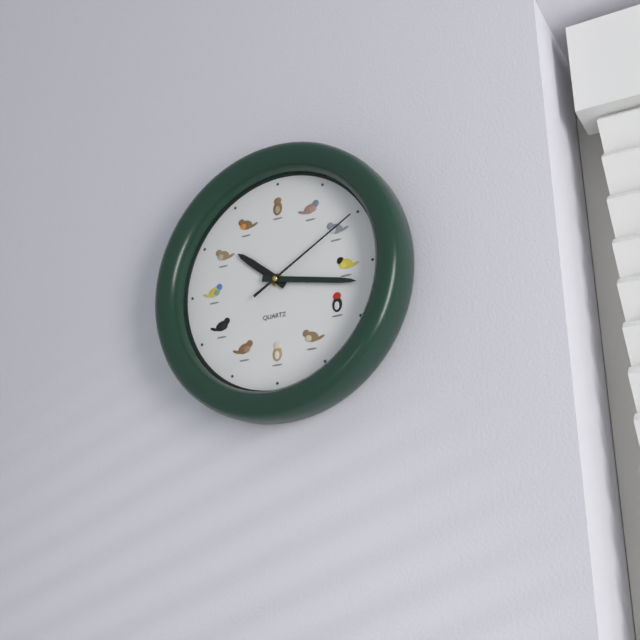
**10:17:10**
